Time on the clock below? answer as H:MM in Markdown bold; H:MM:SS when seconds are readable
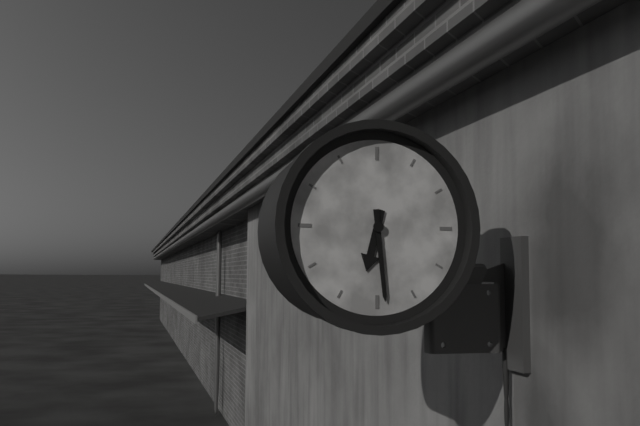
**6:29**
